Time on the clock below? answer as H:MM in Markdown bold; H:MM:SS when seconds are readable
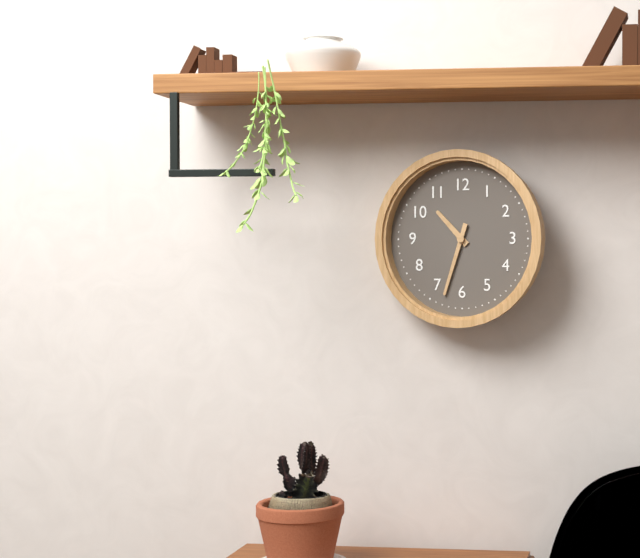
**10:33**
